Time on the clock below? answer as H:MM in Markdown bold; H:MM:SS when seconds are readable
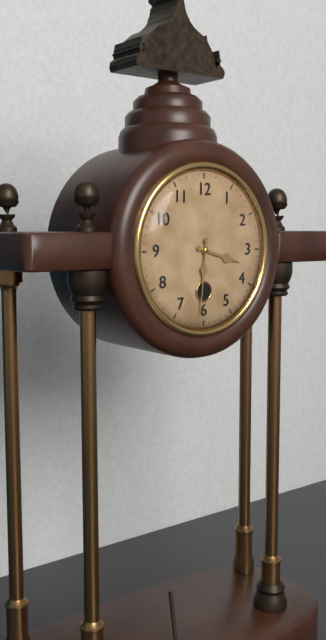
**3:31**
